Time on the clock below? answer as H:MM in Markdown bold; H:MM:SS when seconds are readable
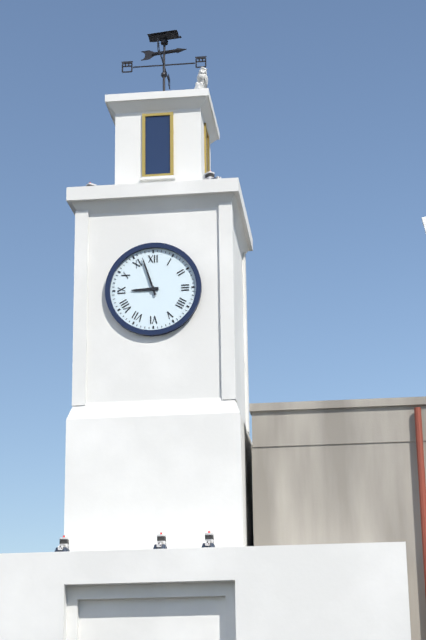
**8:57**
